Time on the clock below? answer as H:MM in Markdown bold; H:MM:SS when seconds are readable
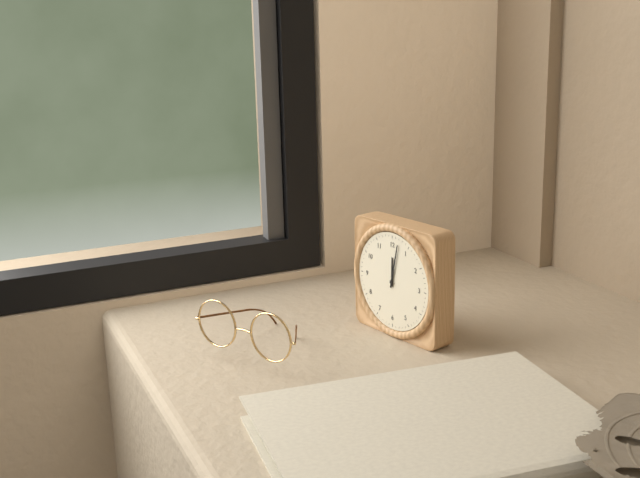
**12:02**
